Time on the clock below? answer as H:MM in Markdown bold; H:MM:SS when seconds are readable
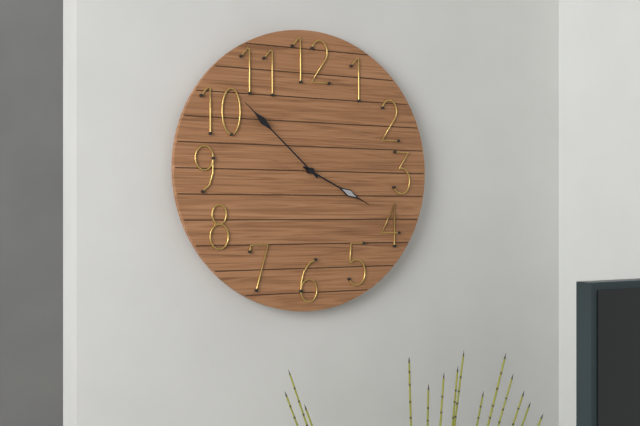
**3:52**
